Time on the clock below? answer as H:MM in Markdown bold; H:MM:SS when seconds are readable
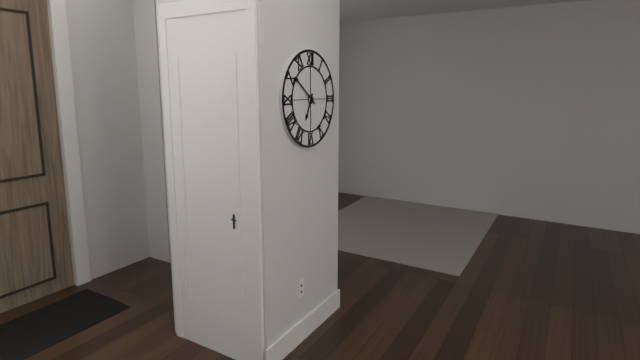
**6:51**
